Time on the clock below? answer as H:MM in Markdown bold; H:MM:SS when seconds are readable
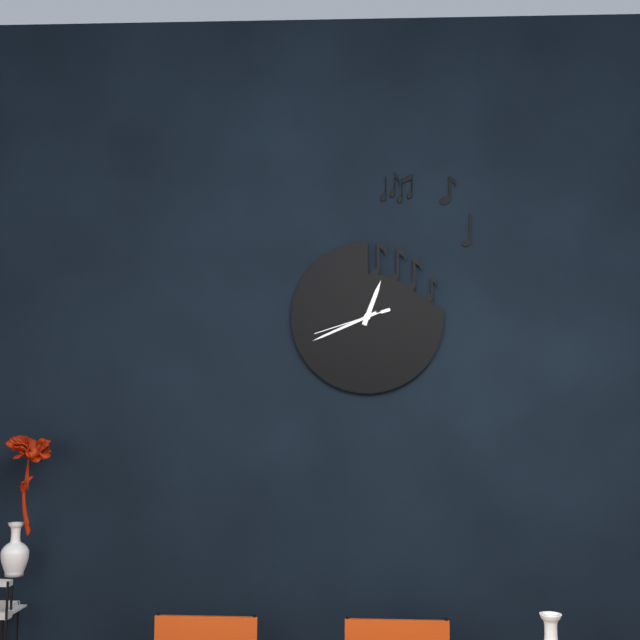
**12:41:42**
